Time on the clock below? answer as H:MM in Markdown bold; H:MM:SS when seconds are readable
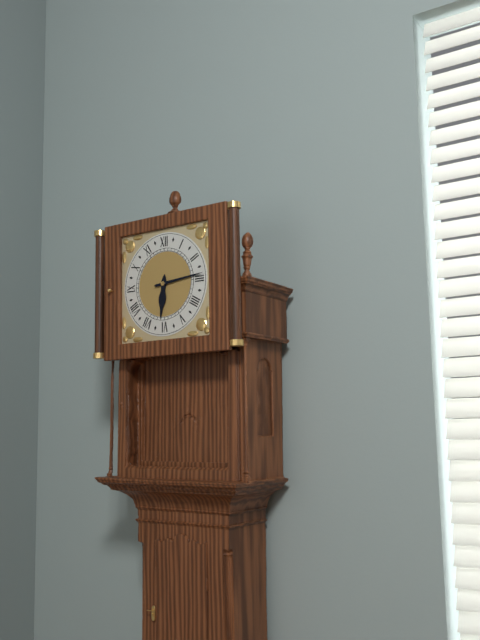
**6:14**
